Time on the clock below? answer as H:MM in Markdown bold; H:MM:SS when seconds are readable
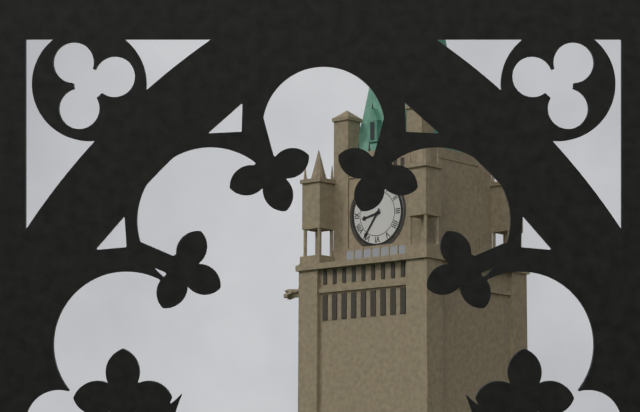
**8:36**
